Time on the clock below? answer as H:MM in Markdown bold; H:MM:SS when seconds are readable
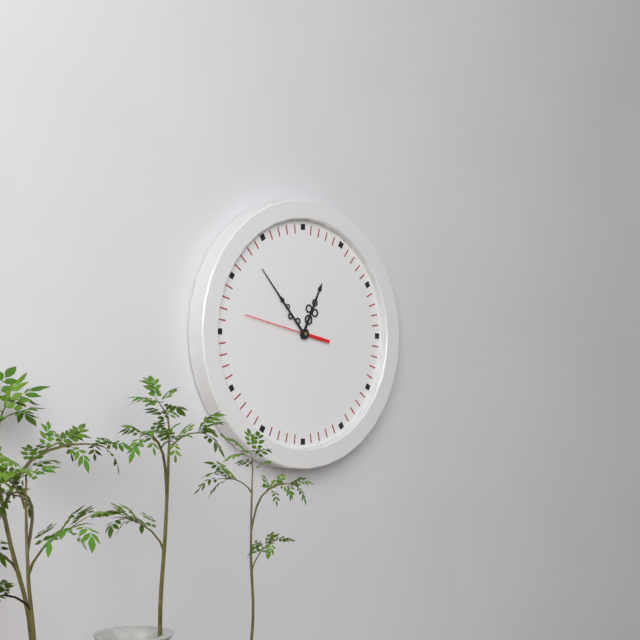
**12:53:47**
